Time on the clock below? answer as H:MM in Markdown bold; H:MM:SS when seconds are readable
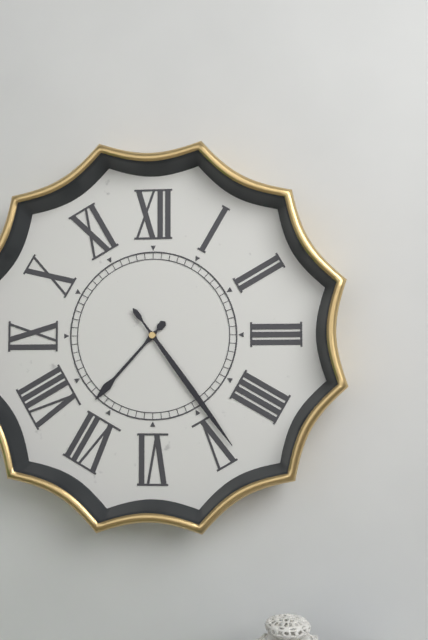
**7:24**
